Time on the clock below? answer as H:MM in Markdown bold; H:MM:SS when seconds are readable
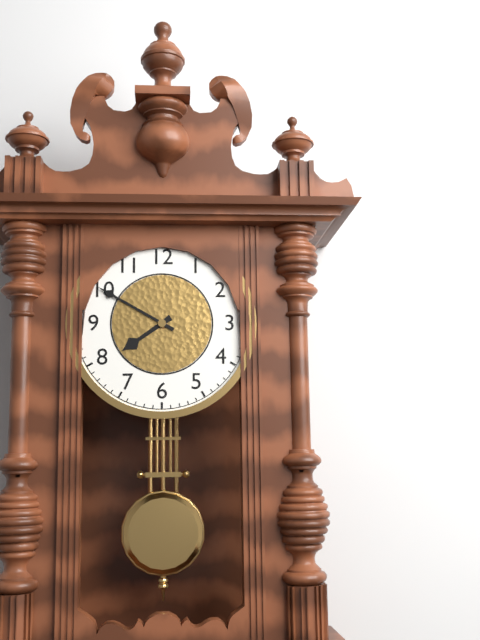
**7:50**
